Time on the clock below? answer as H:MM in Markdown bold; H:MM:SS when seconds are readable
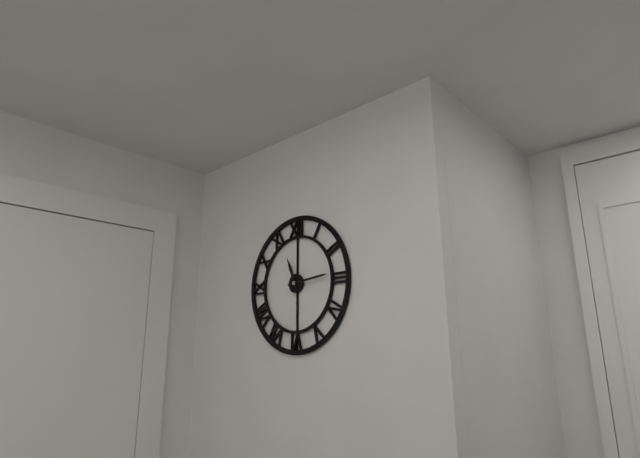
**11:14**
